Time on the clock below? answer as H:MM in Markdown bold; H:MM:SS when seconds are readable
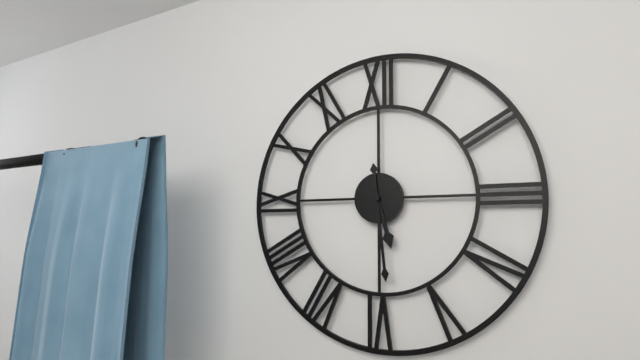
**5:29**
